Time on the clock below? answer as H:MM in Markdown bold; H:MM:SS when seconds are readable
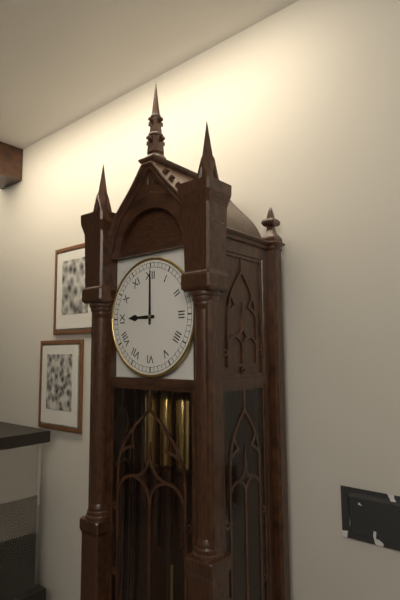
**9:00**
